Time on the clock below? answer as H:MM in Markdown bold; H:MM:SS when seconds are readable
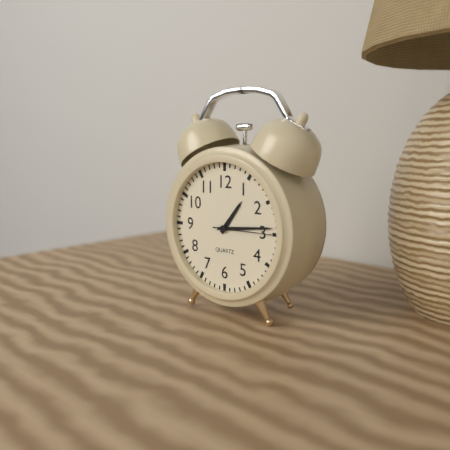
**1:14:15**
